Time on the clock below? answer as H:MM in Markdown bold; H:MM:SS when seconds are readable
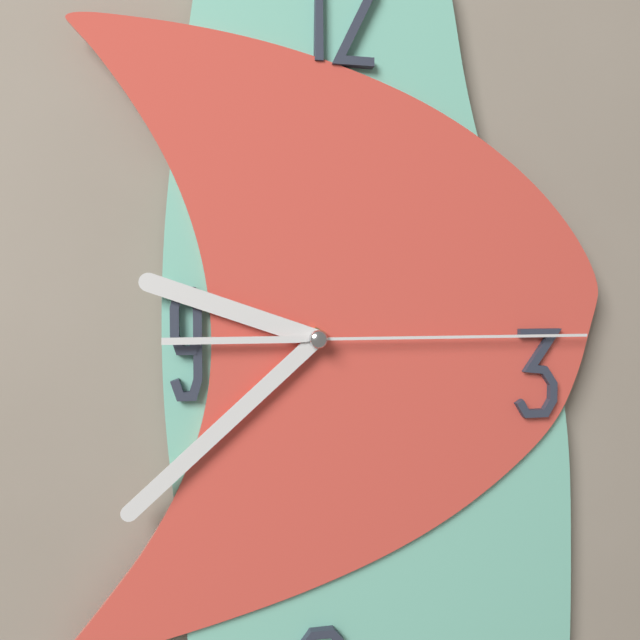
**9:38:15**
